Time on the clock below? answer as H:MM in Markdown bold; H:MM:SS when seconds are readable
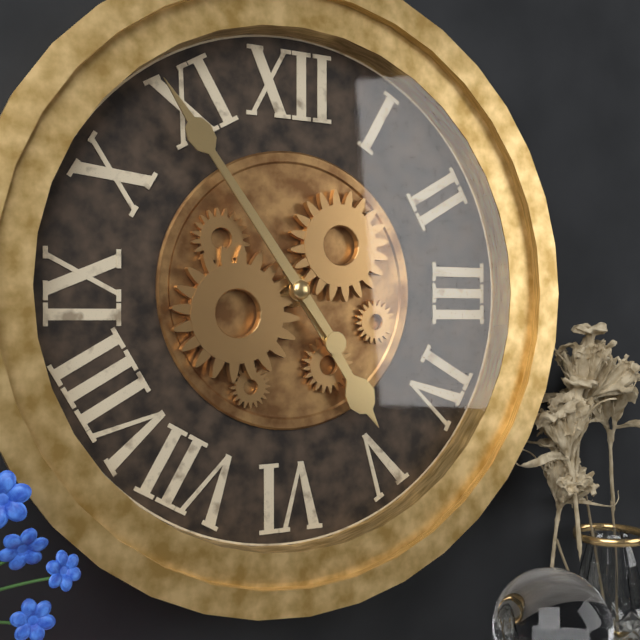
**4:54**
